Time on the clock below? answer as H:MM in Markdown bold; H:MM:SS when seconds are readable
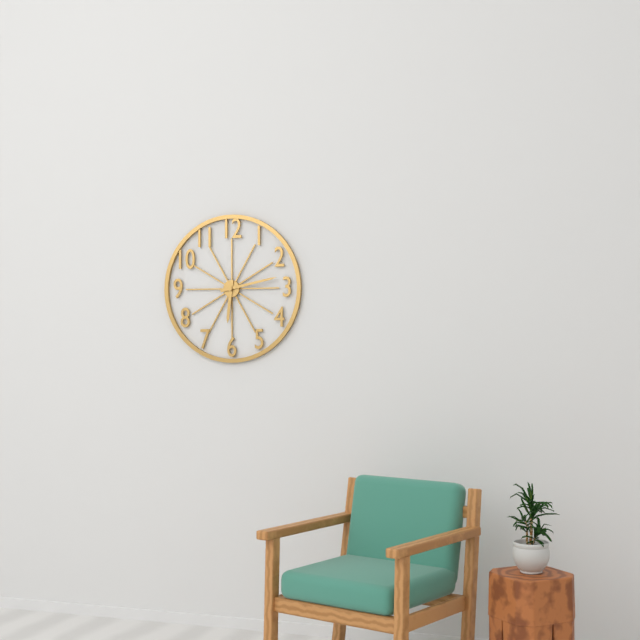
**6:13**
